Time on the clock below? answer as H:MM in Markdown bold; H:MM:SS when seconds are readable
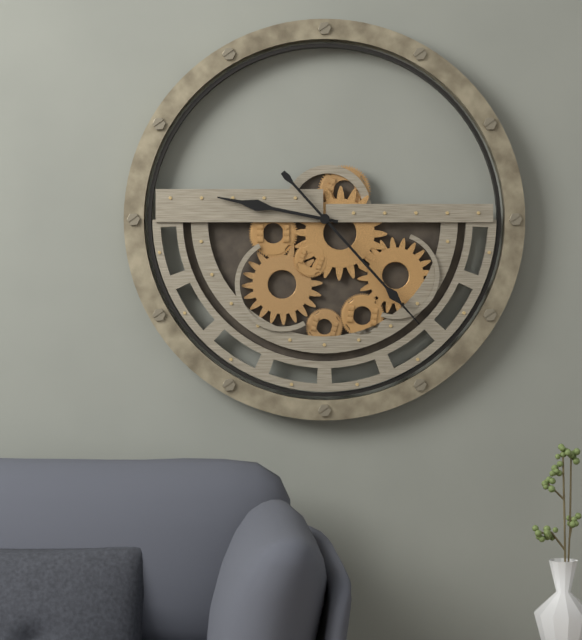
**9:23**
